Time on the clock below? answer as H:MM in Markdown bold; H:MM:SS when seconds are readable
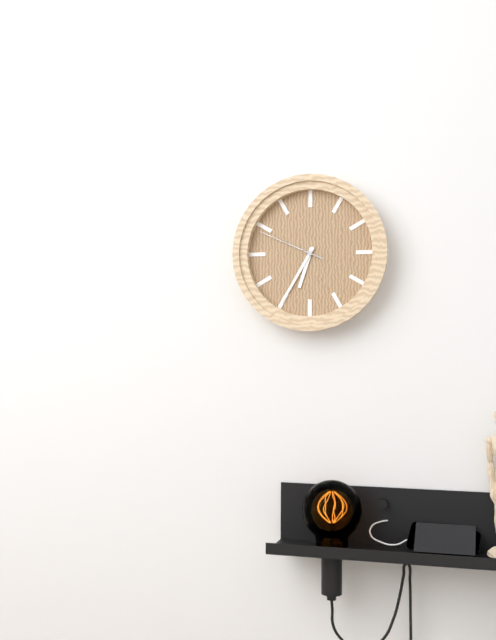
**6:35:49**
